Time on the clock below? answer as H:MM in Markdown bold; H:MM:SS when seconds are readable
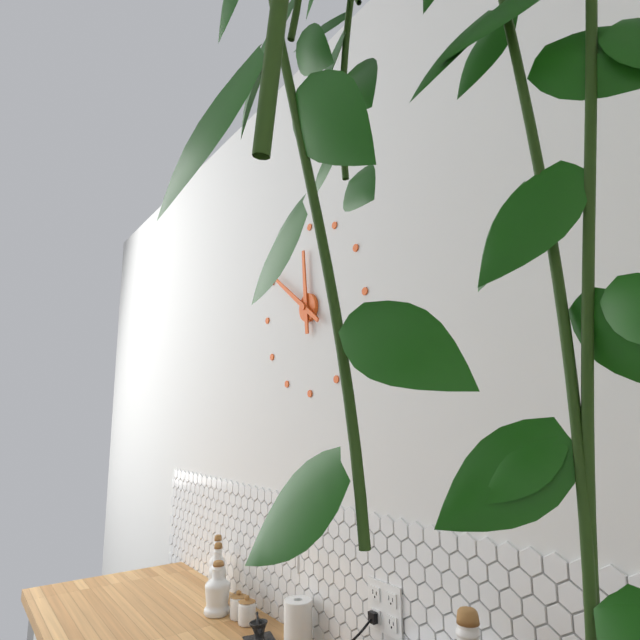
**11:51**
